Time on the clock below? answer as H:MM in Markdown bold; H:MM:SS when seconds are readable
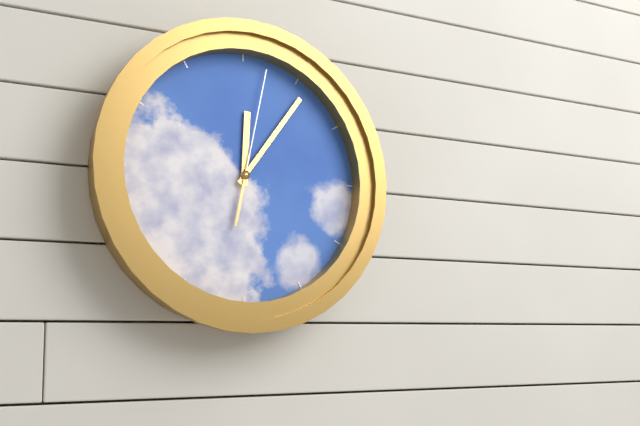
**12:06:02**
